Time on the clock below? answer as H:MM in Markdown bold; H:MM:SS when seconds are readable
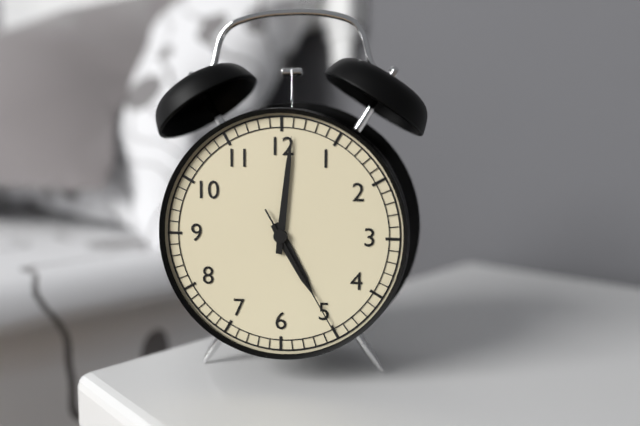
**5:01:25**
